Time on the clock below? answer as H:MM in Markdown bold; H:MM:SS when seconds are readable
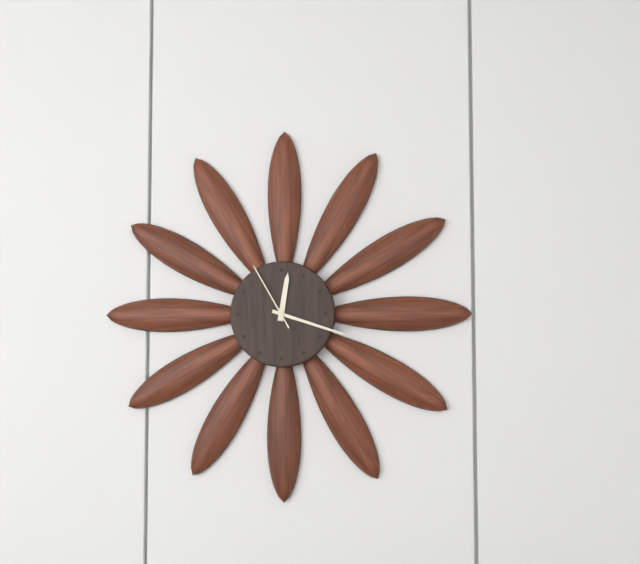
**12:18:55**
